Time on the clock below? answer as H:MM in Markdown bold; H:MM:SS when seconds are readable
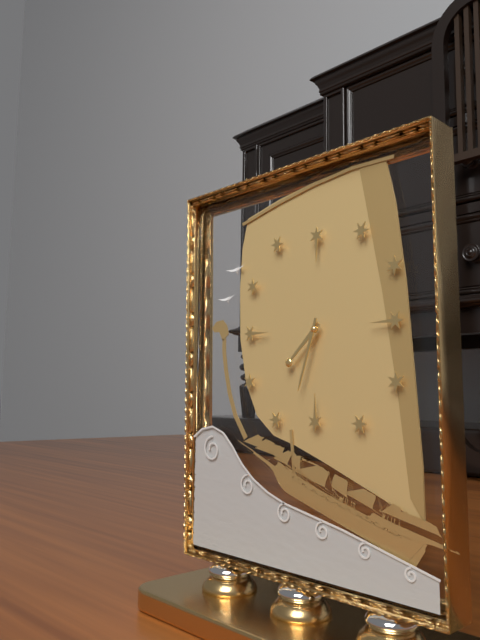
**7:33**
